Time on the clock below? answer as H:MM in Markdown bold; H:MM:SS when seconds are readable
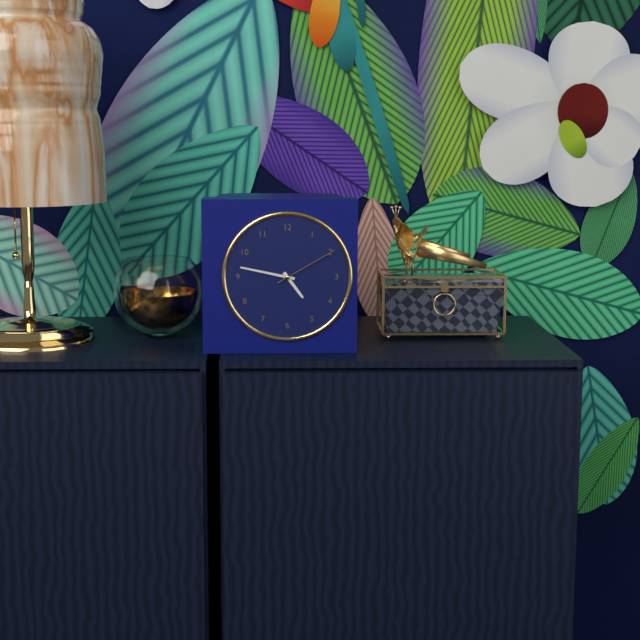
**4:47:10**
